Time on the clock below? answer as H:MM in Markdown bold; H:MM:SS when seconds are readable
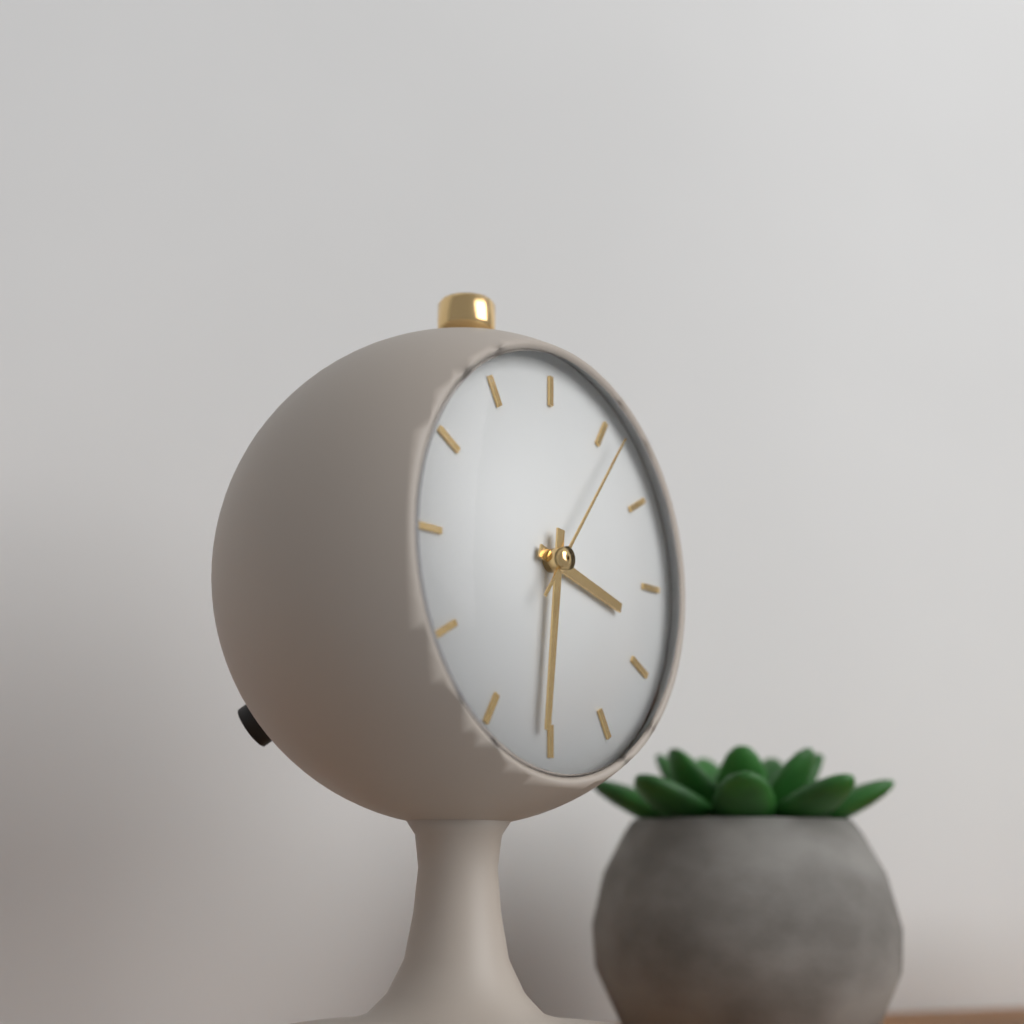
**3:31:06**
